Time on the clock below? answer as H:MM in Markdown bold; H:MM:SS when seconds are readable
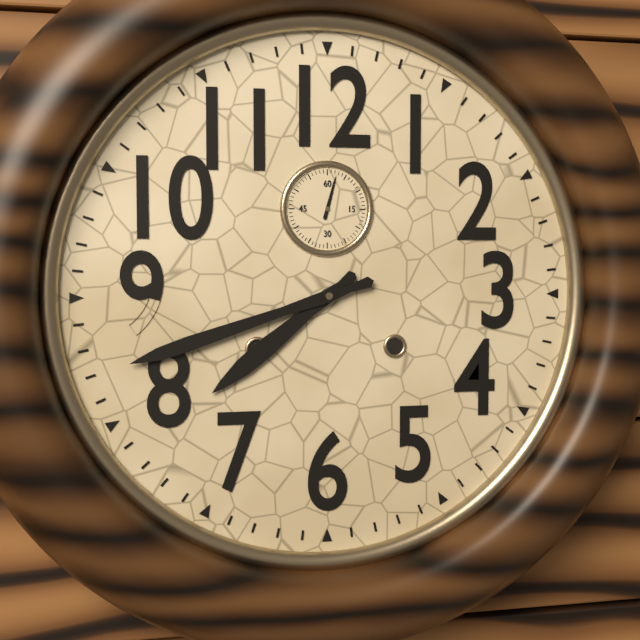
**7:42**
